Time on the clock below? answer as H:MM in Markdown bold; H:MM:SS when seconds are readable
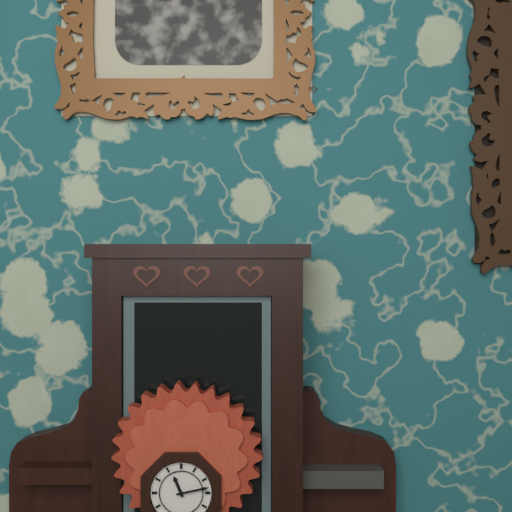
**11:13**
